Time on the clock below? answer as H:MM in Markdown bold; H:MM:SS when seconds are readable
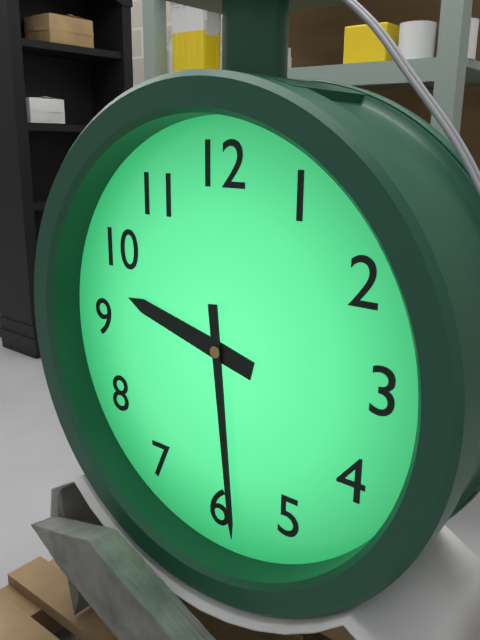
**9:29**
